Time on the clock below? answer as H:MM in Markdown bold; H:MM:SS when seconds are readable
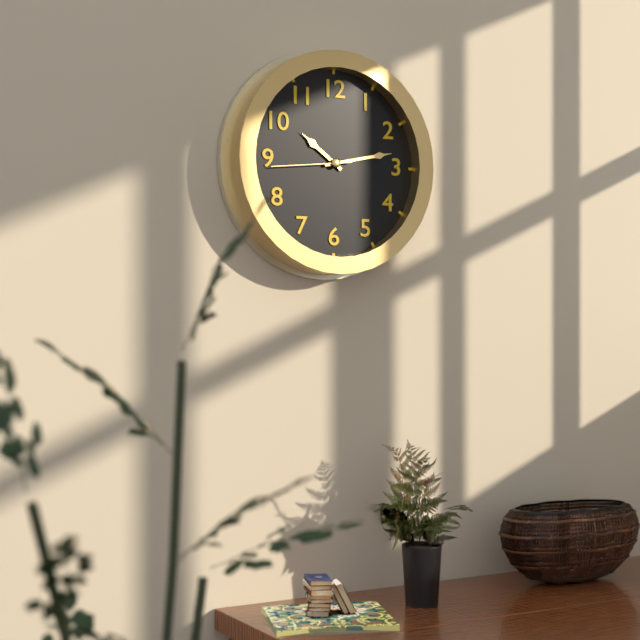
**10:13:44**
